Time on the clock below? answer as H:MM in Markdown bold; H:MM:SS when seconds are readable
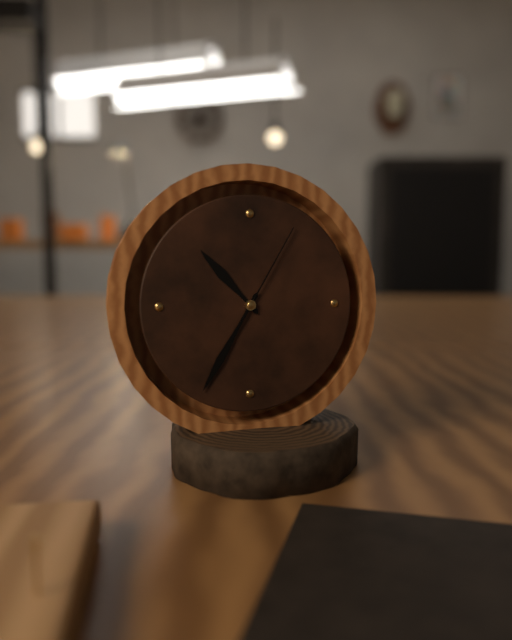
**10:35:05**
